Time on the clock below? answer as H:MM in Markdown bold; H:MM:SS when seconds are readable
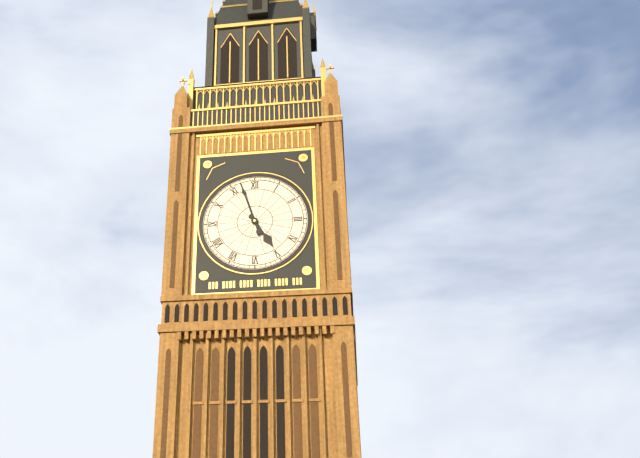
**4:57**
